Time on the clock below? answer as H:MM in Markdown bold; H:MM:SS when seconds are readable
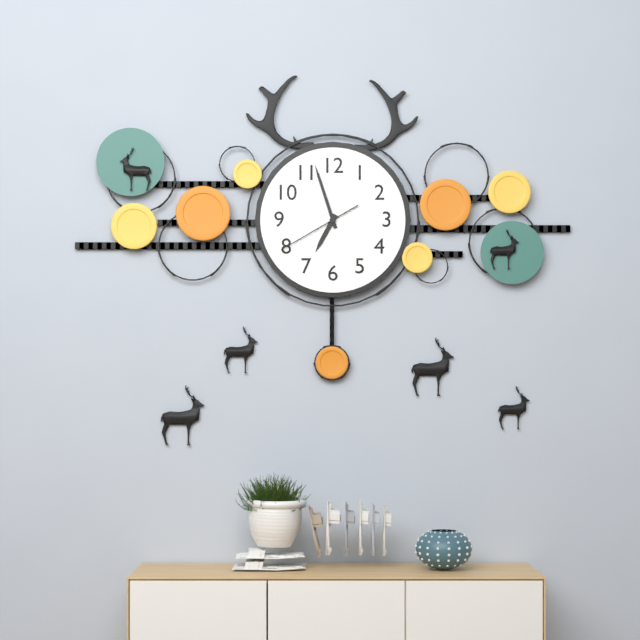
**6:57:40**
